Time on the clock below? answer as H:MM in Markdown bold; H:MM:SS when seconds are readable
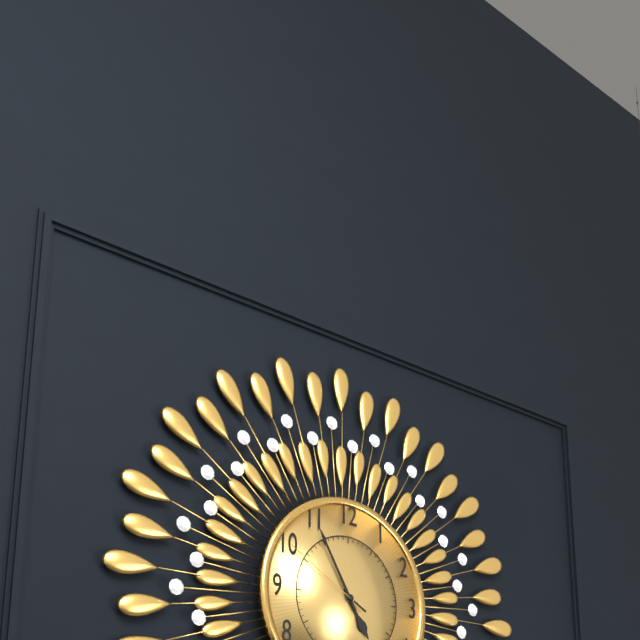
**4:55:50**
